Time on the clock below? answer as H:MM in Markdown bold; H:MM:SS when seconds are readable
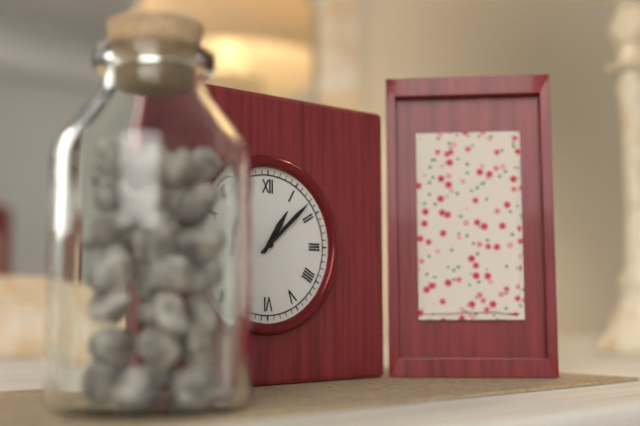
**1:08**
